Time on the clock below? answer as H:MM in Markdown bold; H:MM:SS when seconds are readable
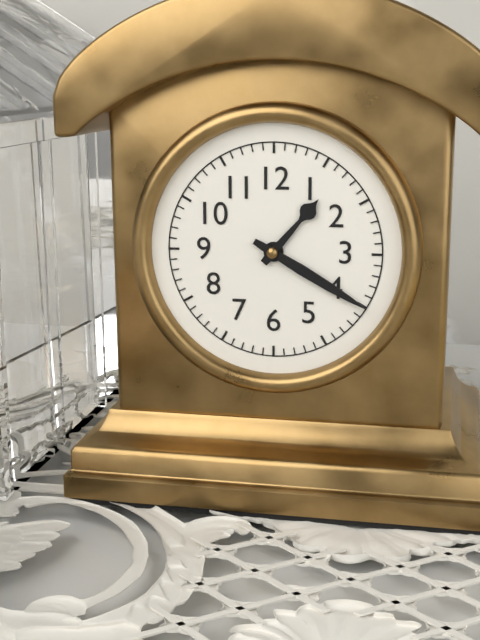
**1:20**
